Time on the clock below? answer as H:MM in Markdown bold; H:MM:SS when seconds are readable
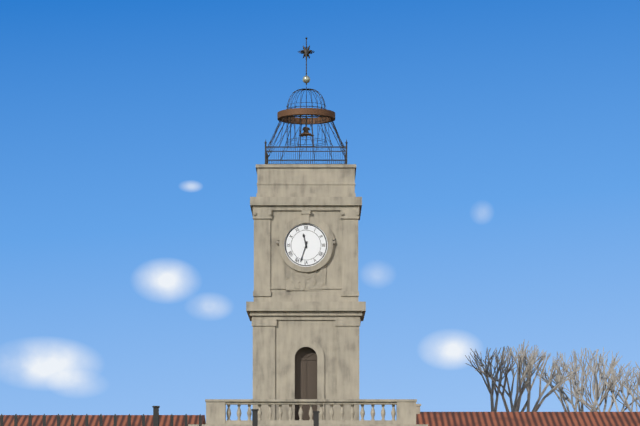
**11:33**
